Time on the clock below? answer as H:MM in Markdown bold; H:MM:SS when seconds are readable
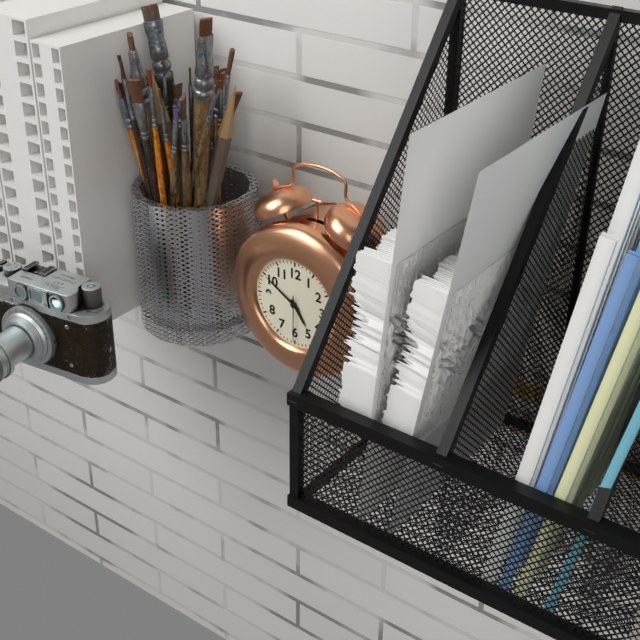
**4:50**
